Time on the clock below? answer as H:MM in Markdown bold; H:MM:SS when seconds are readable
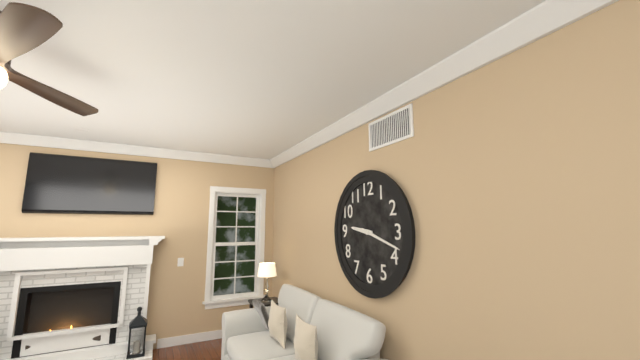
**9:18**
